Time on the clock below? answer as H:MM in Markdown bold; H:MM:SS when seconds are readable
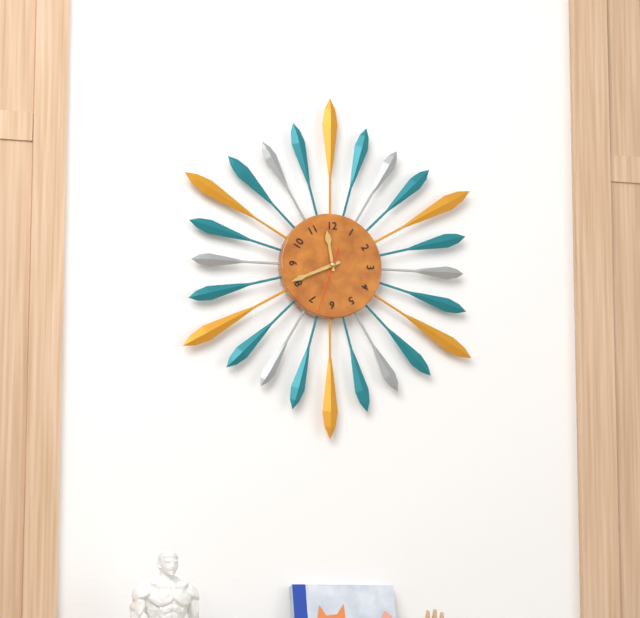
**11:41:33**
